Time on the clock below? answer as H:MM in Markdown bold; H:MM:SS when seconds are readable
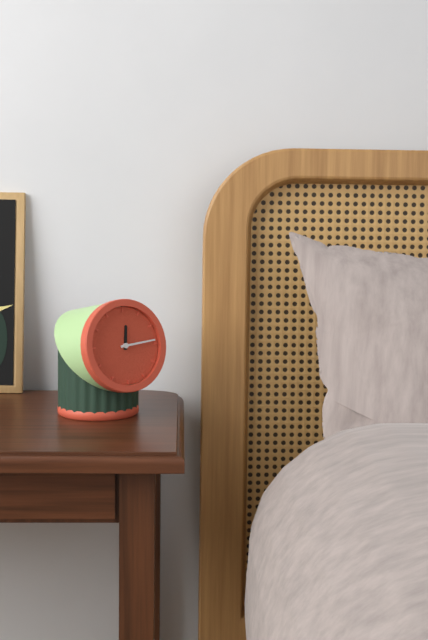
**12:14**
